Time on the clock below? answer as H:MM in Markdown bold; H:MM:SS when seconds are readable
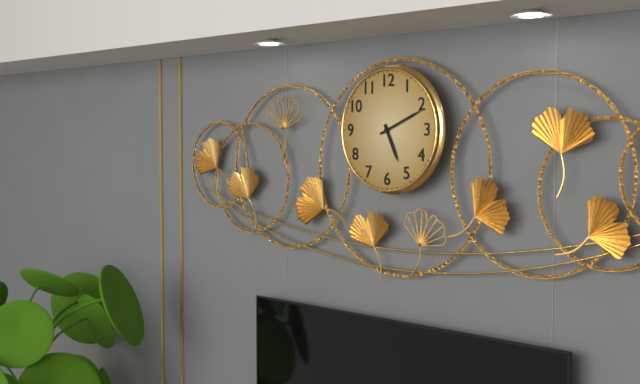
**5:11**
